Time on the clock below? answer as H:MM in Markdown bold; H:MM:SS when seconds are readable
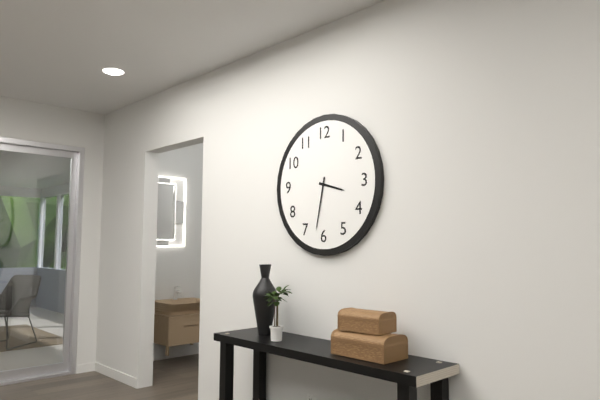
**3:32**
